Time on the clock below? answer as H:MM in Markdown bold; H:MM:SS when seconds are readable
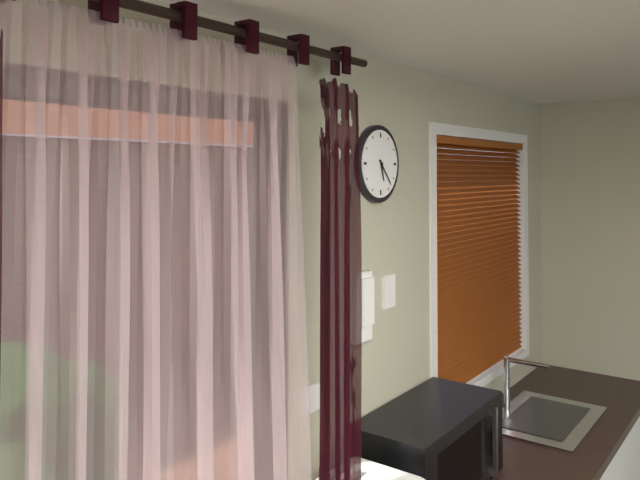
**5:23**
